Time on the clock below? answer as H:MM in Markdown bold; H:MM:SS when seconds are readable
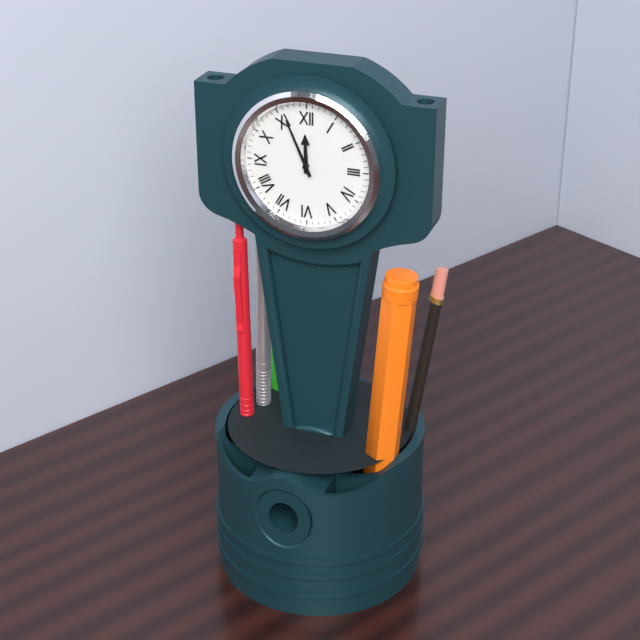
**11:56**
